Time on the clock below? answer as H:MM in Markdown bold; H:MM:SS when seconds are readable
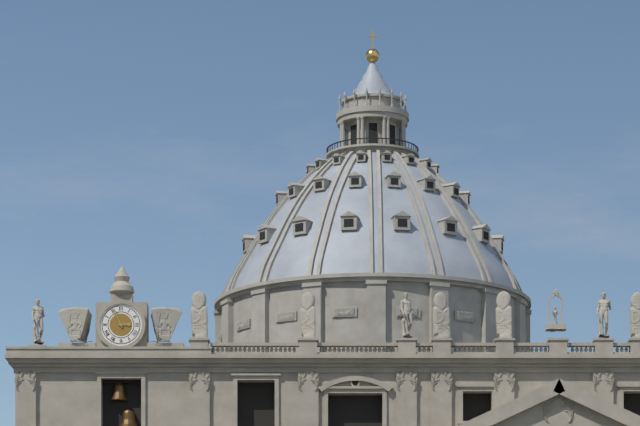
**2:56**
